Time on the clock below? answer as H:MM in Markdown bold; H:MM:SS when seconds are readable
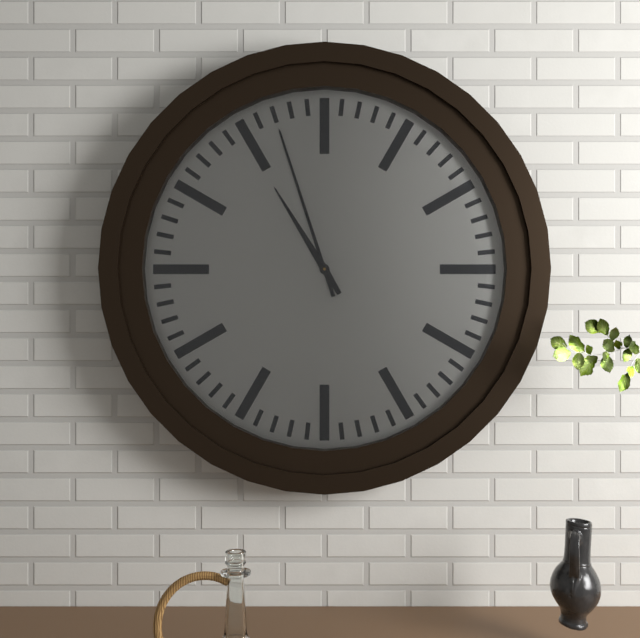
**10:57**
